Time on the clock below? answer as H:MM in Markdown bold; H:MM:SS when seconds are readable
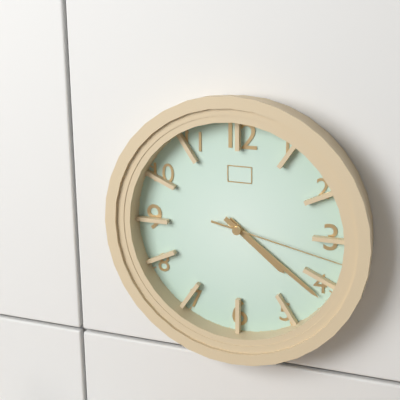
**4:21:17**
